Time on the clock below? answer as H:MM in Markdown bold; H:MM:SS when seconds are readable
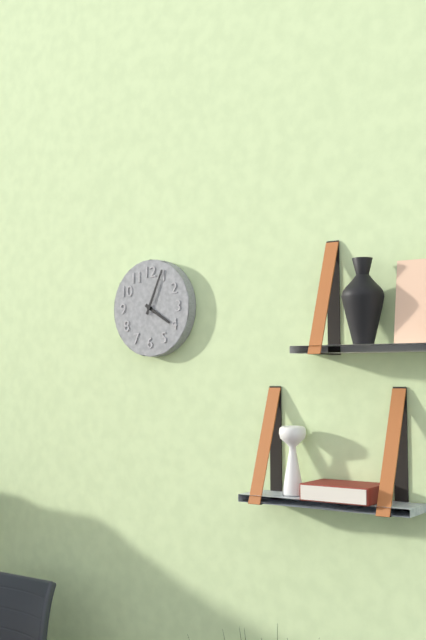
**4:04**
